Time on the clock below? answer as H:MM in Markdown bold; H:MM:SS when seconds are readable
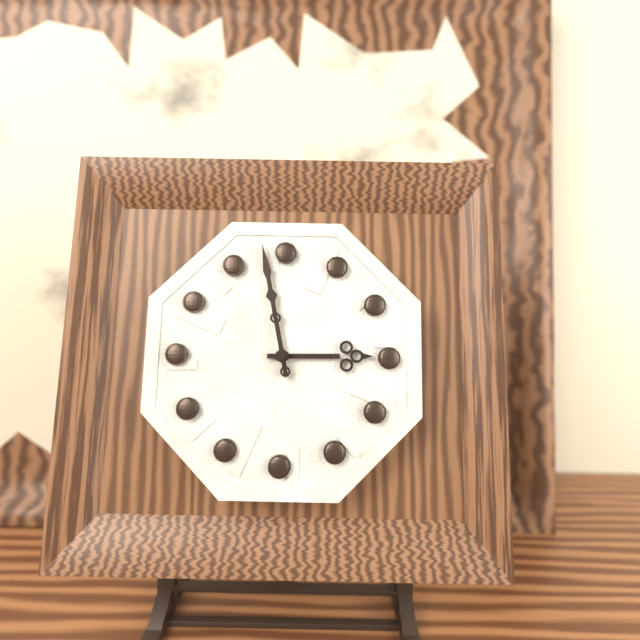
**2:58**
